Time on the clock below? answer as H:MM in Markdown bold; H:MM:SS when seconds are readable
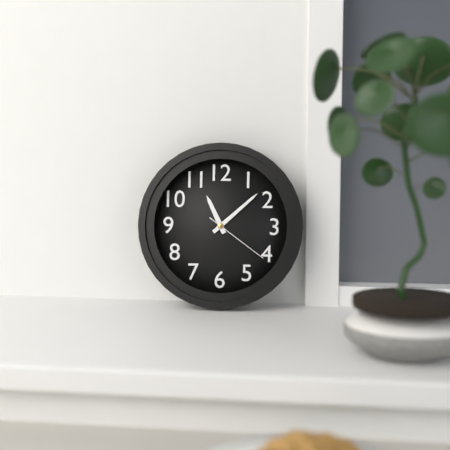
**11:08:21**
